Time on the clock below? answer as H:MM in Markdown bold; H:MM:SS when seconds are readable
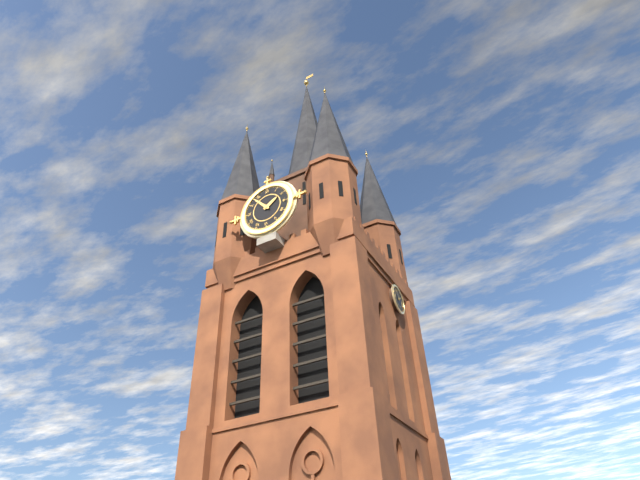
**1:53**
